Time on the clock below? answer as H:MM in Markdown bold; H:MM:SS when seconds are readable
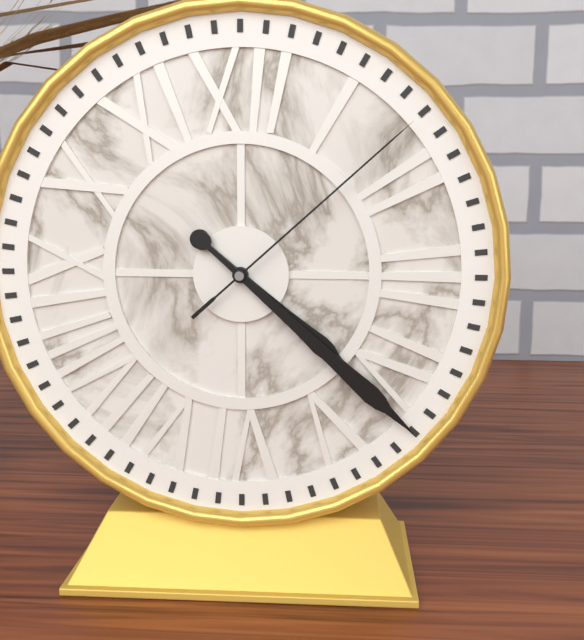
**4:22:08**
